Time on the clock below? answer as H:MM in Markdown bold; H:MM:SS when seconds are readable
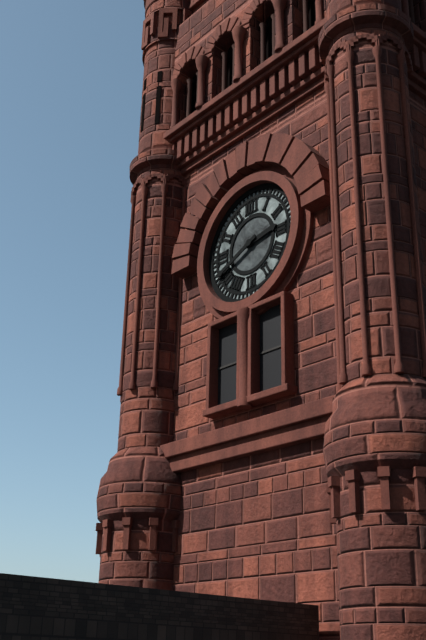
**2:41**
